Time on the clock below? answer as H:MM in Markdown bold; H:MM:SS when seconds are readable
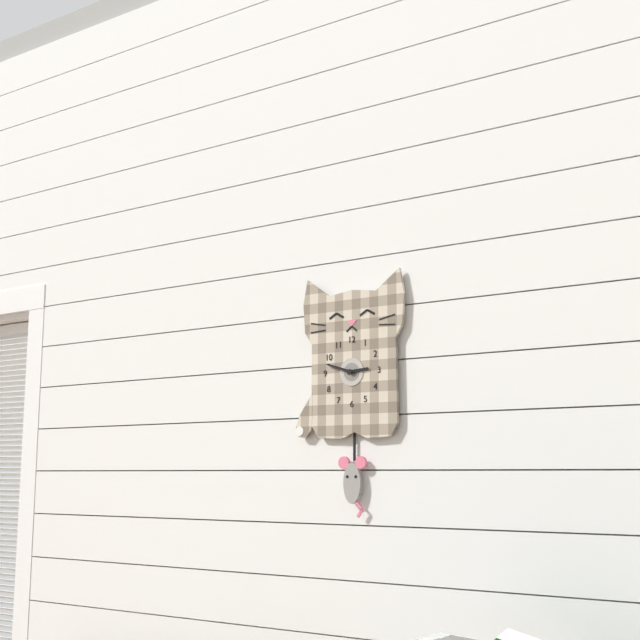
**2:48**
